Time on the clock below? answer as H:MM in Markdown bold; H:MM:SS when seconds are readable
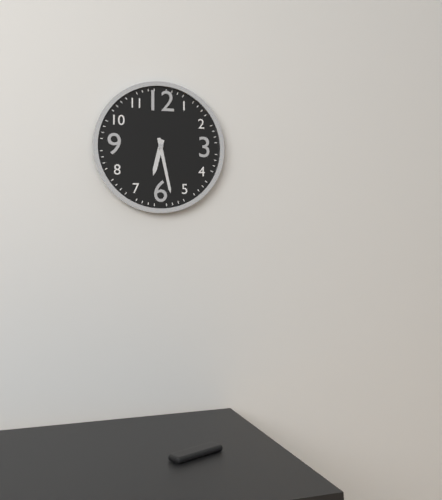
**6:28**
